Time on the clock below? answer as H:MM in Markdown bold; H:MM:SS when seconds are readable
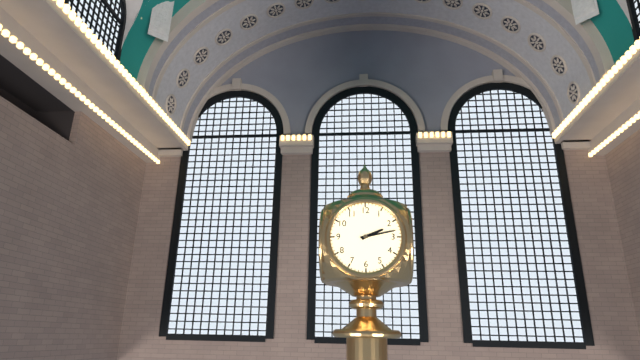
**2:13**
